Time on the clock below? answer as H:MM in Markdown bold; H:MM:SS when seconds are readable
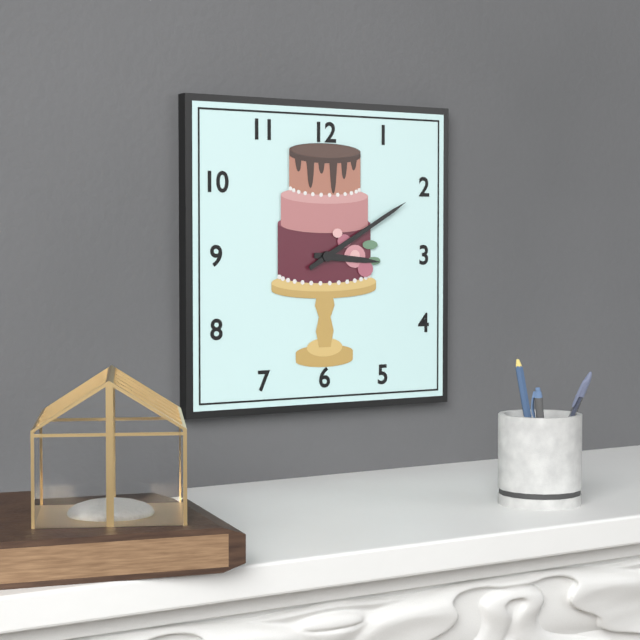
**3:10**
